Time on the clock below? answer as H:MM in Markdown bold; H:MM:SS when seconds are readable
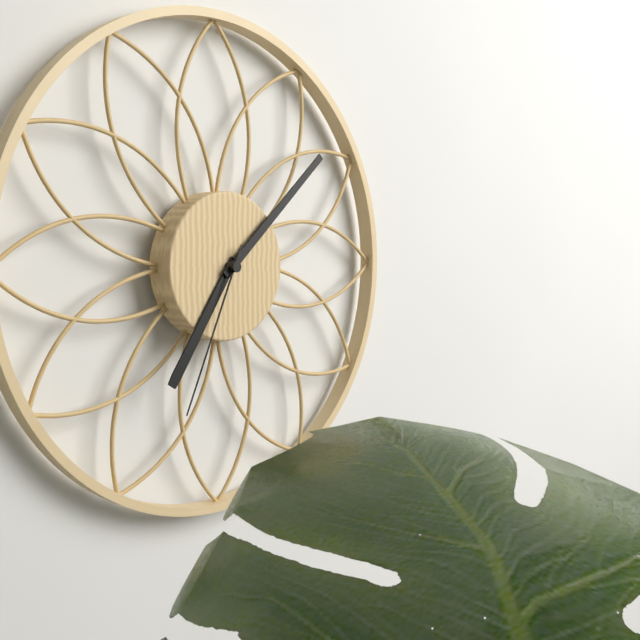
**7:08:34**
